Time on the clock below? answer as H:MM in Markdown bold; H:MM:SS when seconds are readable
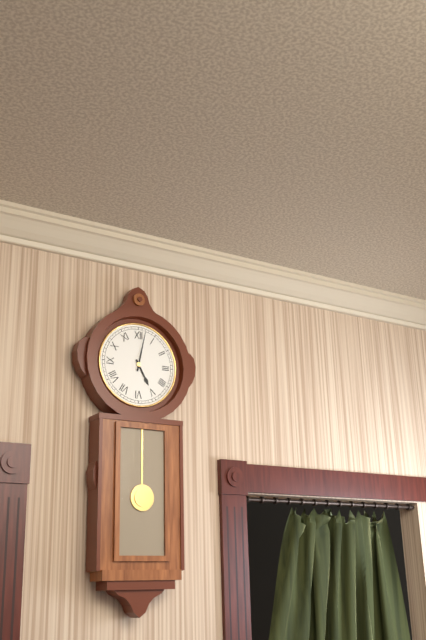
**5:02**
